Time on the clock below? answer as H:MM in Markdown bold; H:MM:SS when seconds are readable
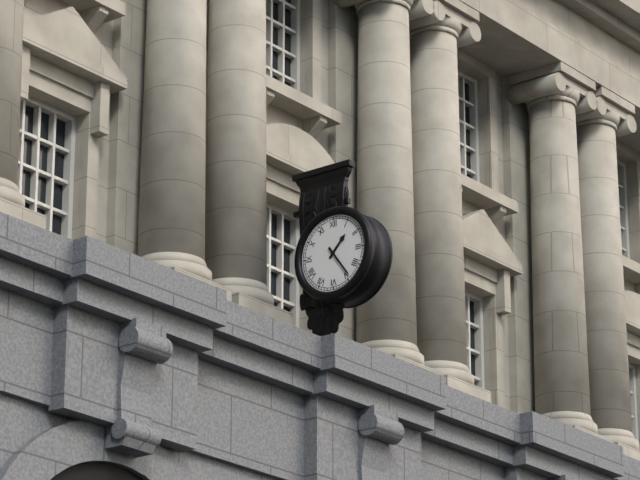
**1:24**
